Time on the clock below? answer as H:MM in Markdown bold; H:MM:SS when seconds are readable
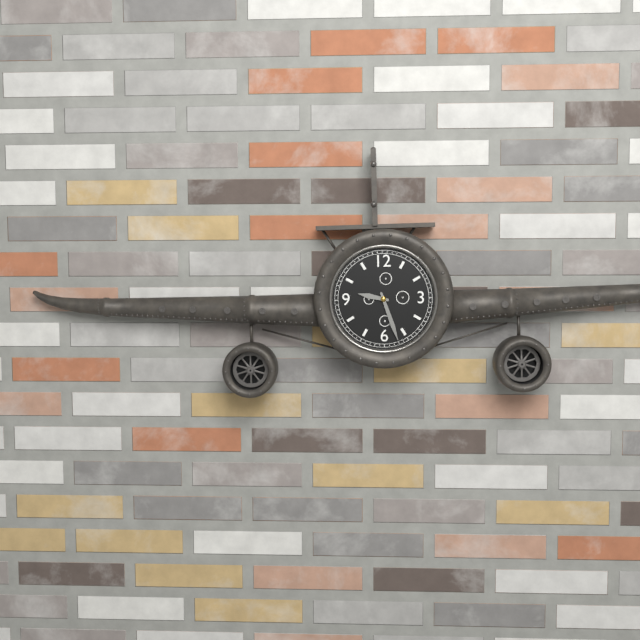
**9:27**
